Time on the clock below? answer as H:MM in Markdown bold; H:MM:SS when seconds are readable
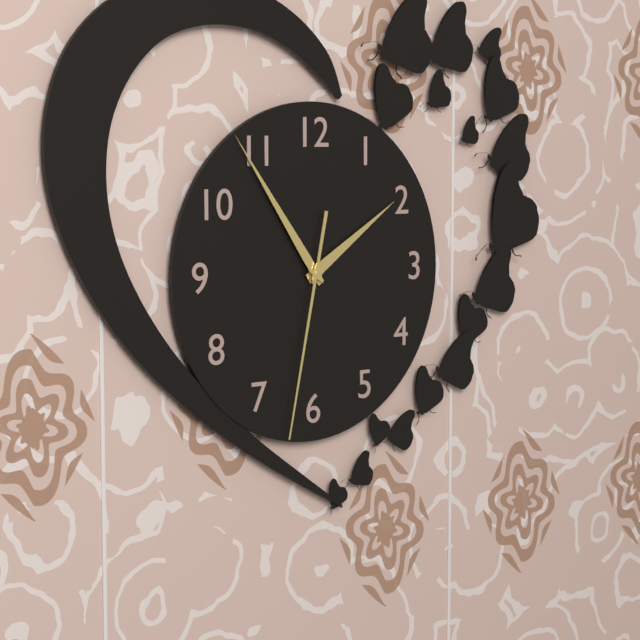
**1:54:32**
